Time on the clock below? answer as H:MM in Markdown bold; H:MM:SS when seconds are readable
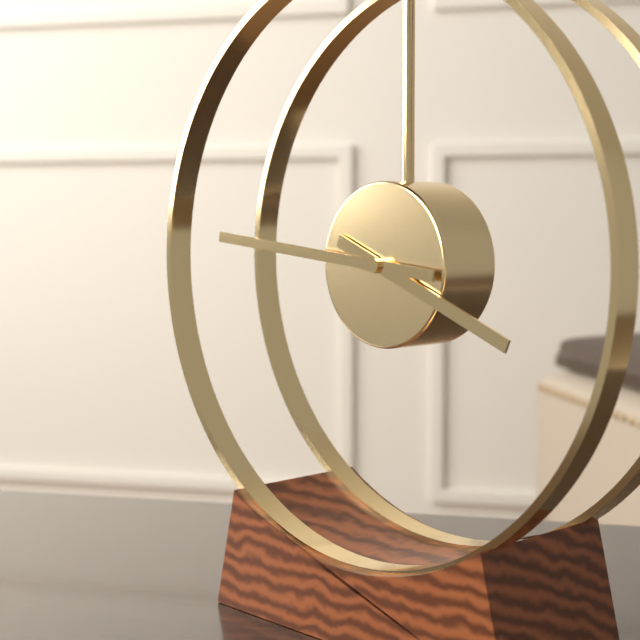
**3:46**
